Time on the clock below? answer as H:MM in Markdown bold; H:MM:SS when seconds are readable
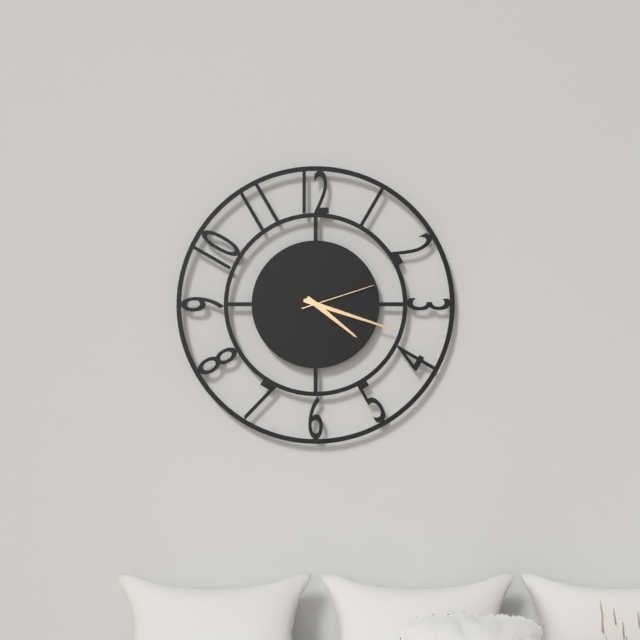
**4:18:12**
